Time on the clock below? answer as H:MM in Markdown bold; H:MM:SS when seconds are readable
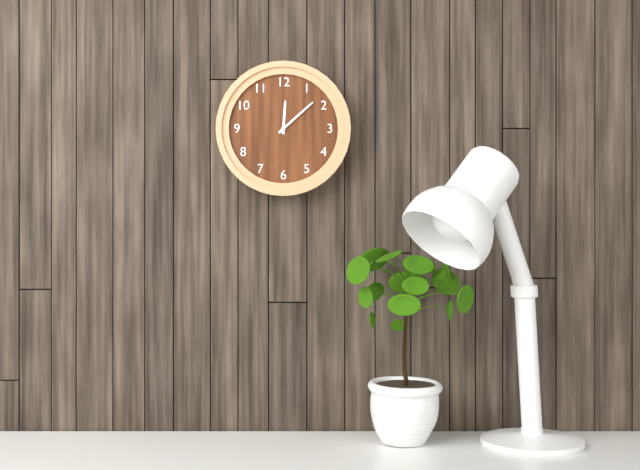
**12:08**
